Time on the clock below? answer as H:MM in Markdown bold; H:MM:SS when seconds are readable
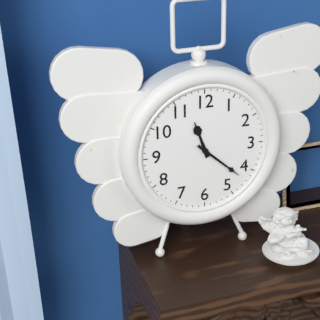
**11:22**
